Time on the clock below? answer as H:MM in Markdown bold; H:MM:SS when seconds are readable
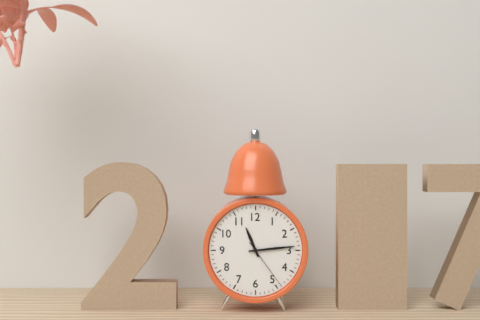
**11:14:24**
